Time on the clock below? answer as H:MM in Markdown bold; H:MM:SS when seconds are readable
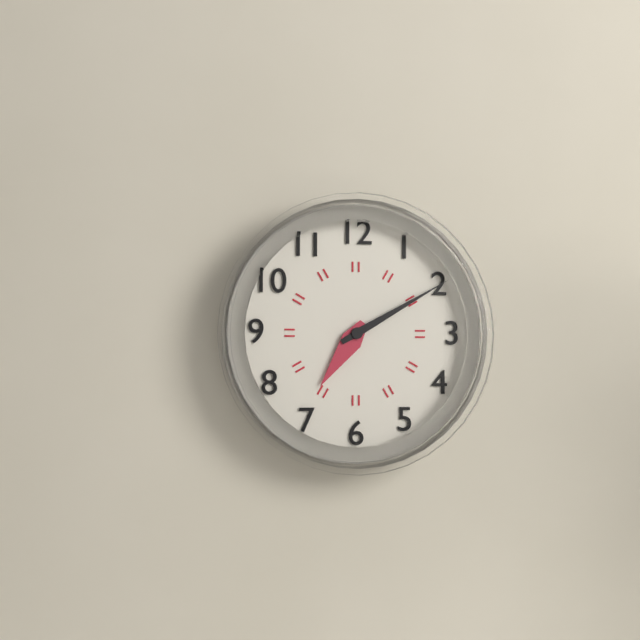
**7:10**
